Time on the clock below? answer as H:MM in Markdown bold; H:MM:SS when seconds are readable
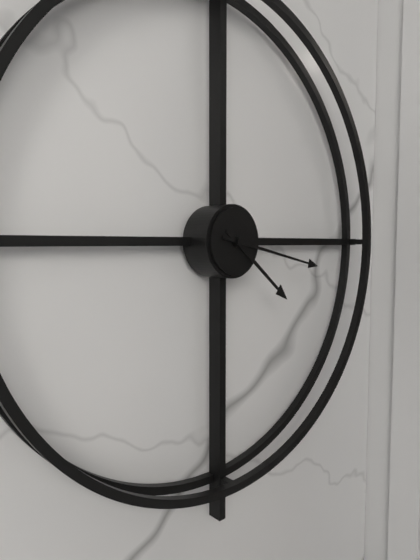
**4:17**
